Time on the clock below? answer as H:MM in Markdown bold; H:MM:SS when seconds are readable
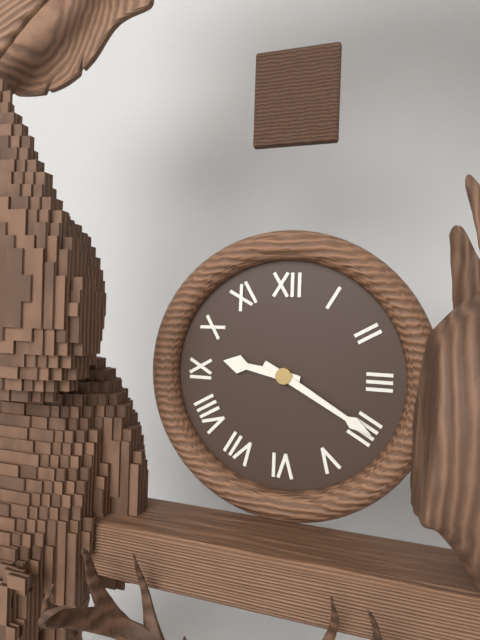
**9:20**
